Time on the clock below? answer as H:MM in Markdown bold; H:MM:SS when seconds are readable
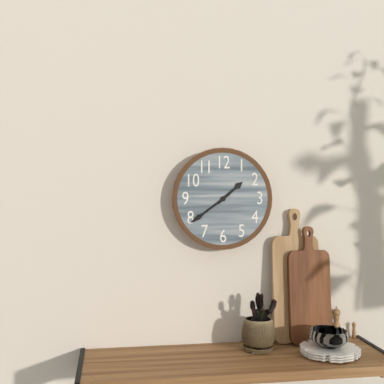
**1:39**
